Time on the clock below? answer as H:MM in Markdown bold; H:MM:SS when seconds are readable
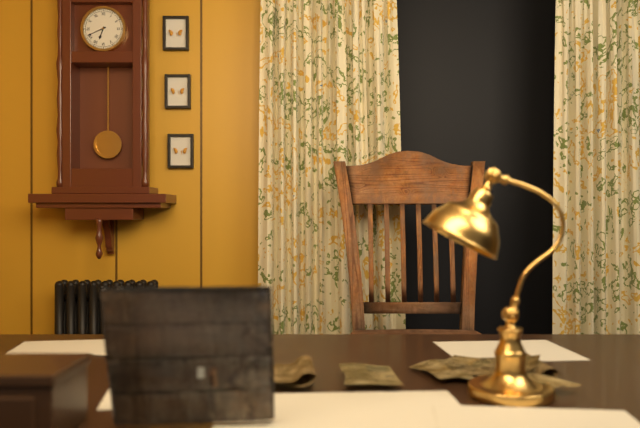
**6:41**
